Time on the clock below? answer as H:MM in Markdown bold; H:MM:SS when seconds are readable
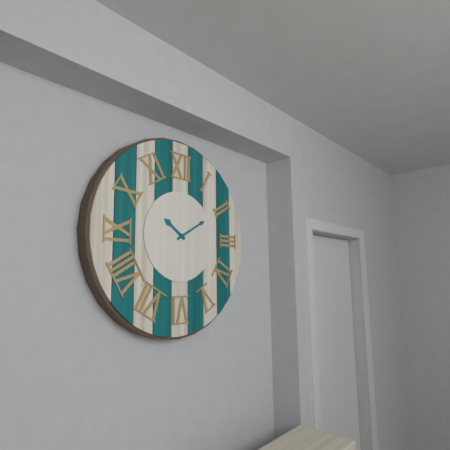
**10:10**
